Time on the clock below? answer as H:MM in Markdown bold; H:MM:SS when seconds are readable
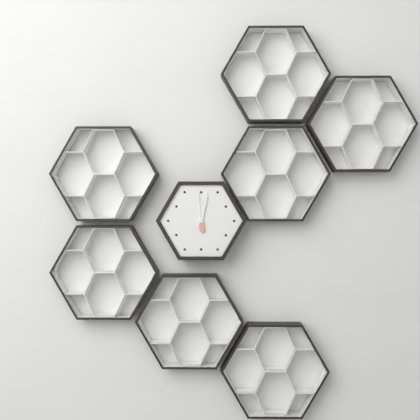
**12:02**
